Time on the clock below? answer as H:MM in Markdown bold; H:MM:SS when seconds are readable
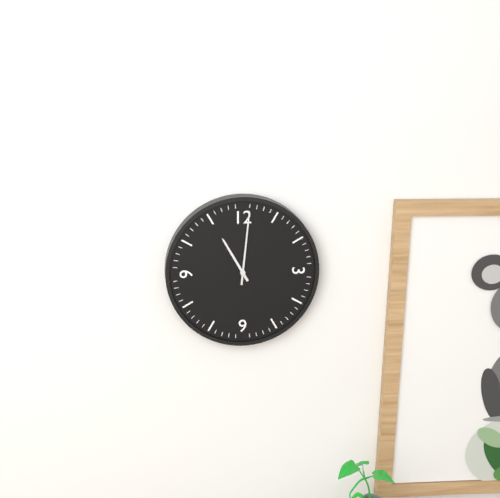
**11:01**
